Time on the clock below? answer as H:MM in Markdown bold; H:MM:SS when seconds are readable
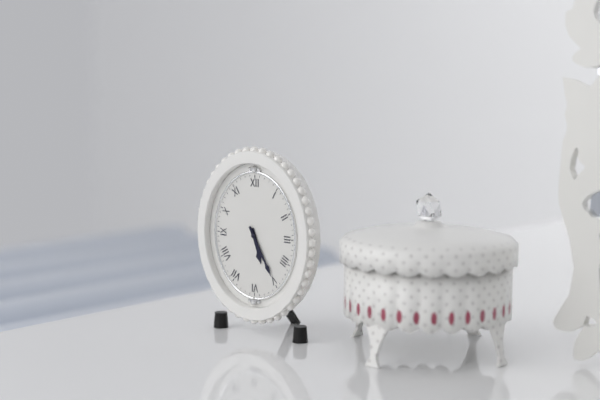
**5:25**
